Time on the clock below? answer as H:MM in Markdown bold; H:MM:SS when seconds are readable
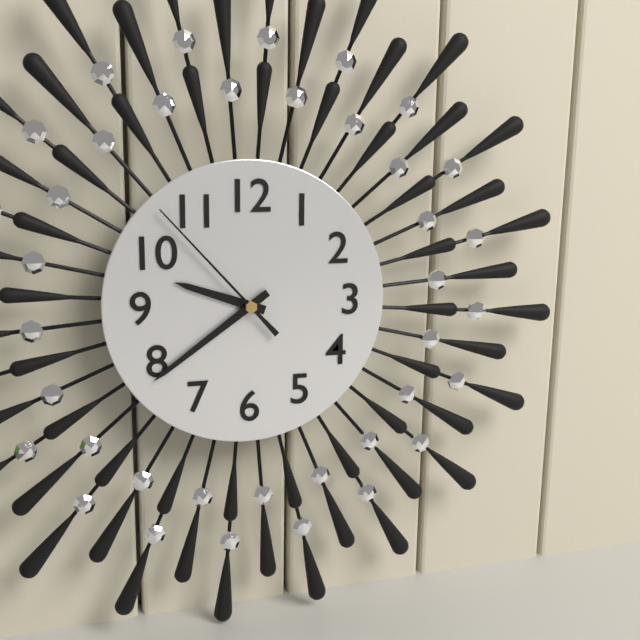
**9:39:53**
